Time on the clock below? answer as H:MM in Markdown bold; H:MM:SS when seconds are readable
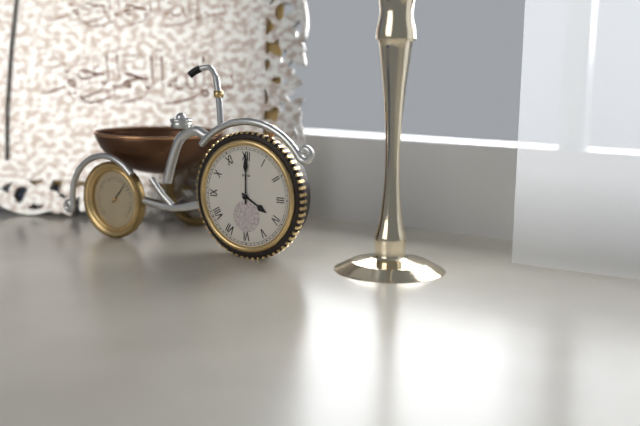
**4:00**
